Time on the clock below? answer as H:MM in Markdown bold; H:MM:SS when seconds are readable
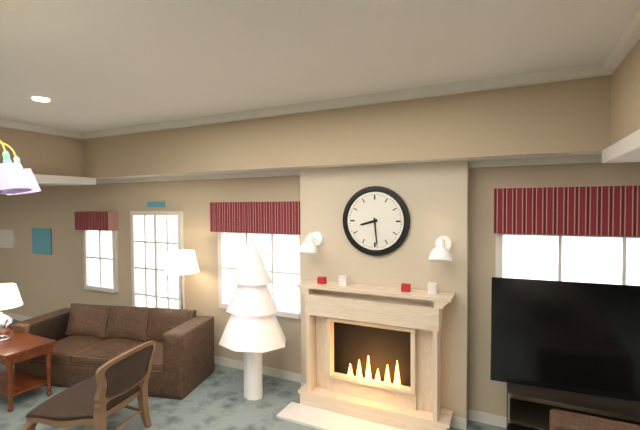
**8:29**
